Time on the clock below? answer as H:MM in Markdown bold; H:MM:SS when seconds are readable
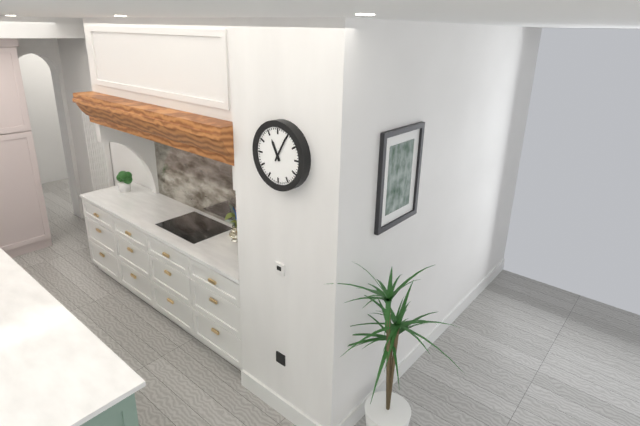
**11:05**
